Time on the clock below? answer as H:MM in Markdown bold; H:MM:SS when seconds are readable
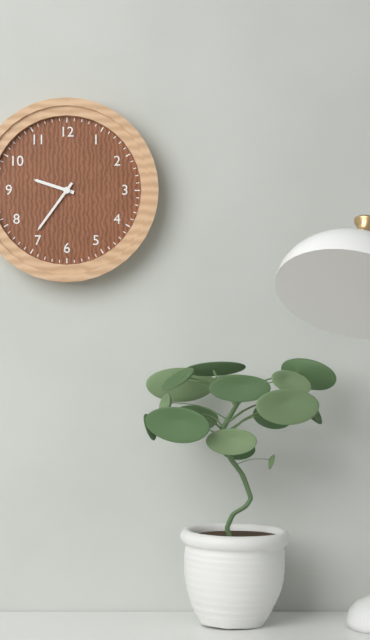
**9:36**
